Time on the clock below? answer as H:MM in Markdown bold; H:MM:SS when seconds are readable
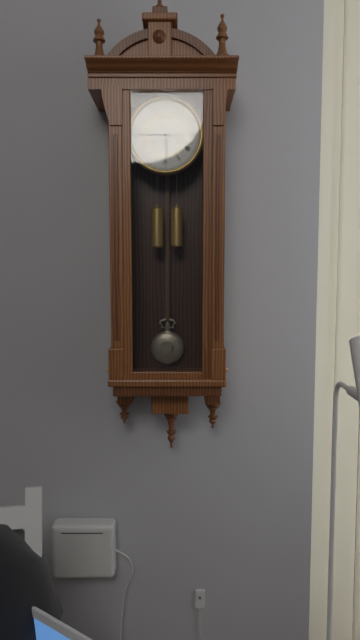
**5:45**
